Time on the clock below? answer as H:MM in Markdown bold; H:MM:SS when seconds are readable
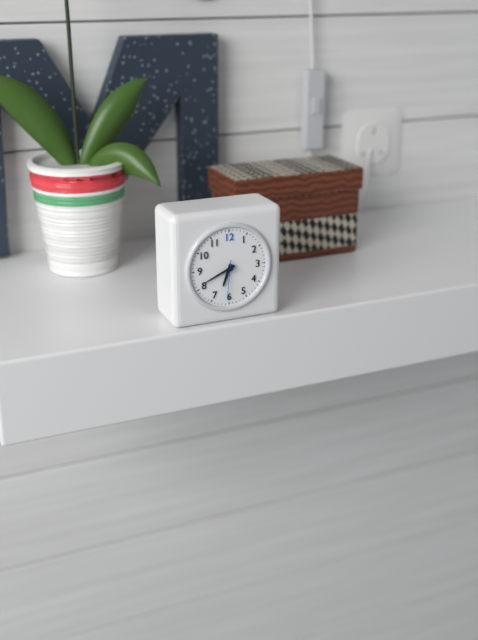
**6:41**
